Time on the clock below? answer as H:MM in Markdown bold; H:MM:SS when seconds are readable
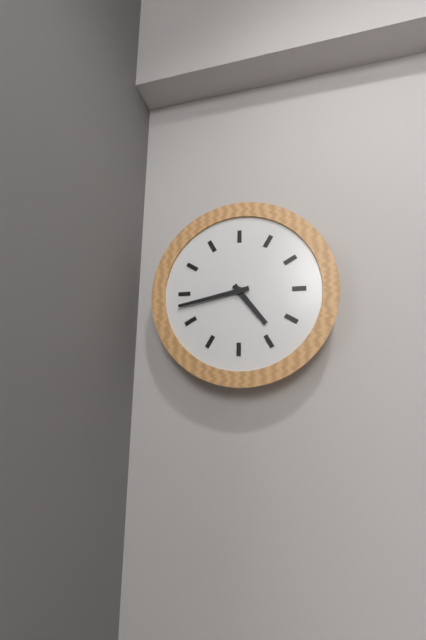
**4:43**
